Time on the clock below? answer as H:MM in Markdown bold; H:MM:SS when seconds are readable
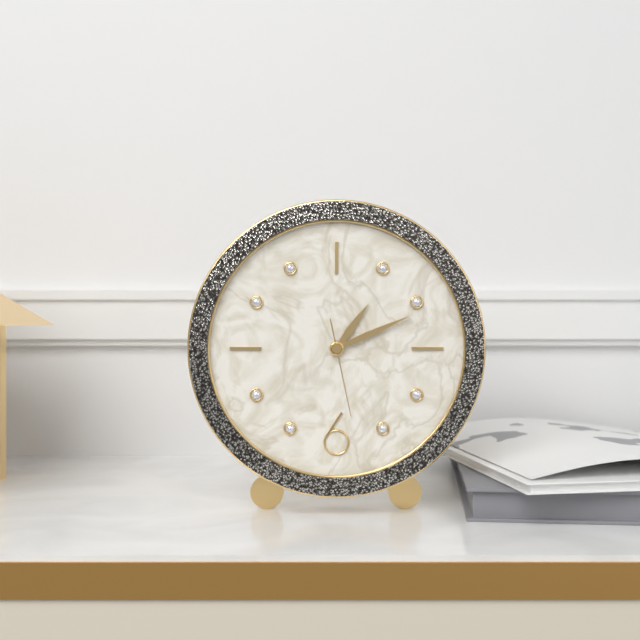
**1:11:28**
